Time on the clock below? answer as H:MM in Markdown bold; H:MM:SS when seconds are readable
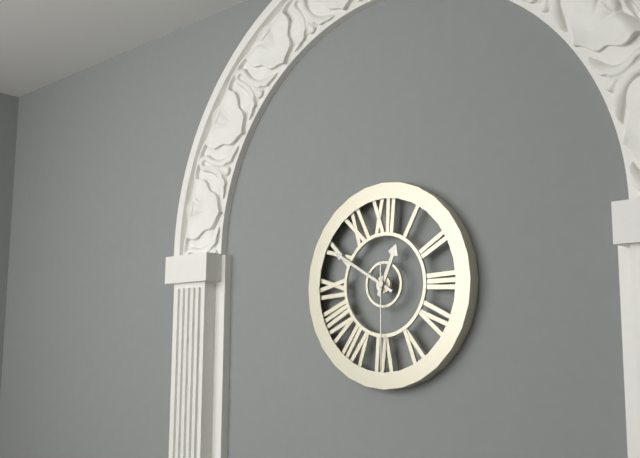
**12:50:30**
